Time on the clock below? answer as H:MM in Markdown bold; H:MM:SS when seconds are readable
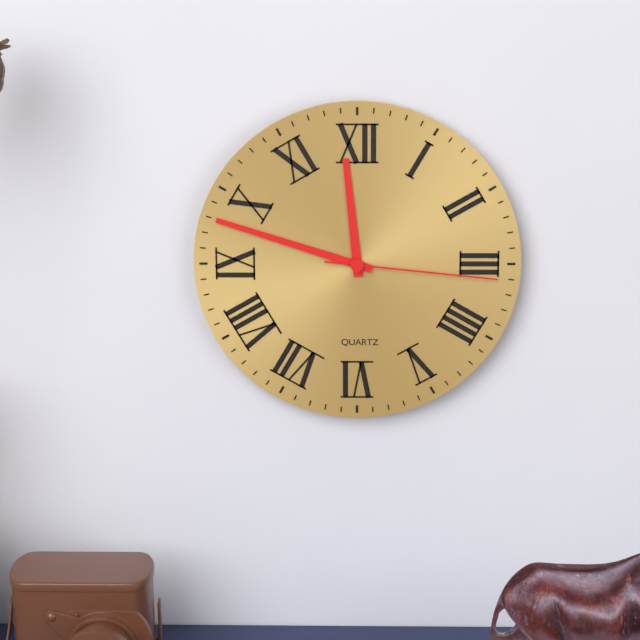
**11:48:16**
